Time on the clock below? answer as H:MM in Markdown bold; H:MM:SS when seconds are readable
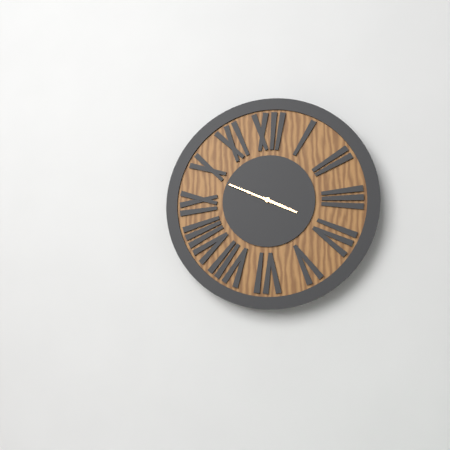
**3:49**
